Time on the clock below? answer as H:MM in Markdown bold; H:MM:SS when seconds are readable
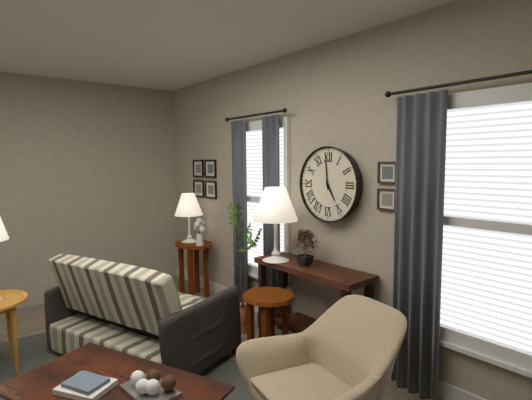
**4:59**
